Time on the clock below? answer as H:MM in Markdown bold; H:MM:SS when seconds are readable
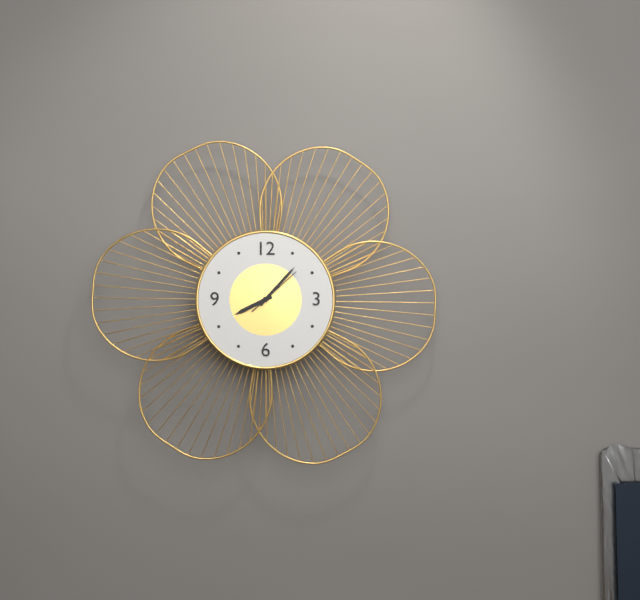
**8:07:08**
